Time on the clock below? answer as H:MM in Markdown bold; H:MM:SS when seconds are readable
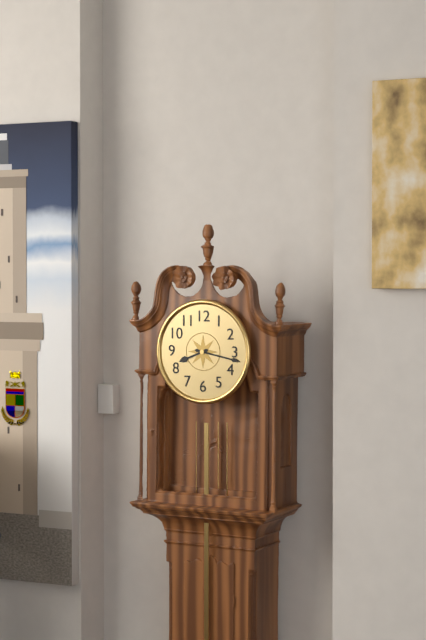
**8:17**
